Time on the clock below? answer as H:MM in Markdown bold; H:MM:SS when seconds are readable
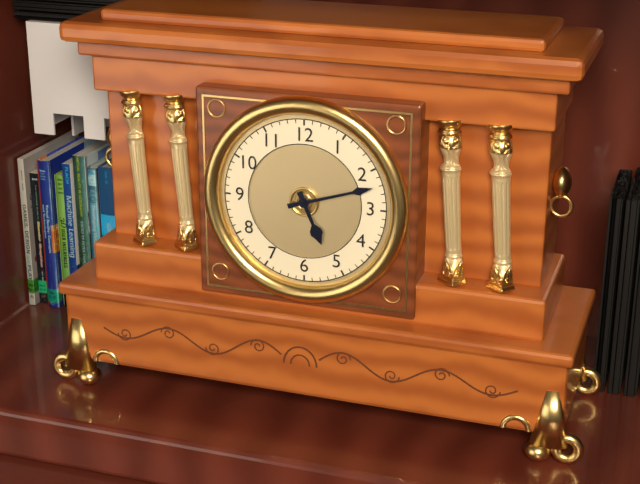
**5:12**
